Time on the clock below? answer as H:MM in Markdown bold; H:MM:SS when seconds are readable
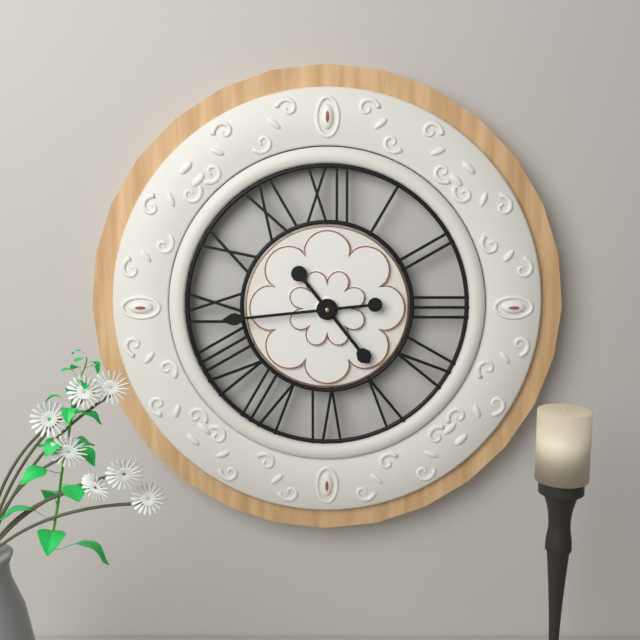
**4:44**
